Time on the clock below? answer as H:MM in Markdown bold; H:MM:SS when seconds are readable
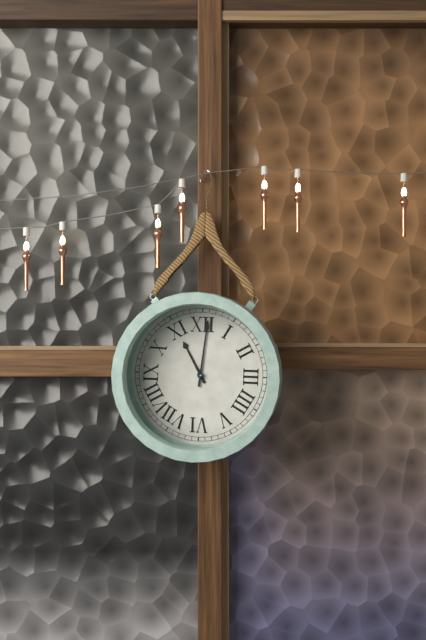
**11:01**
